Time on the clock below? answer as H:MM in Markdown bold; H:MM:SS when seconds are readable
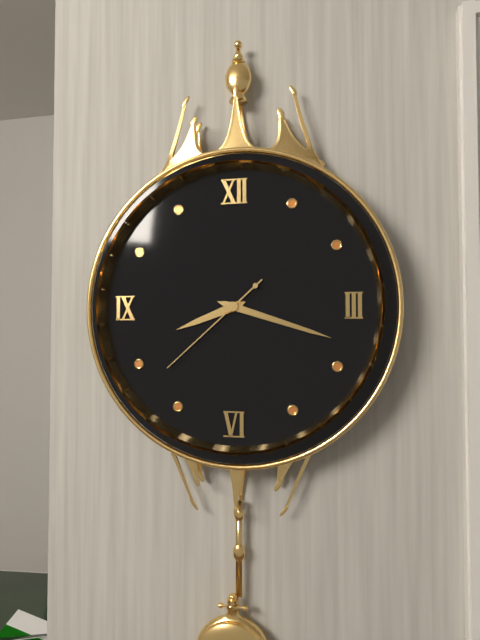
**8:18:38**
